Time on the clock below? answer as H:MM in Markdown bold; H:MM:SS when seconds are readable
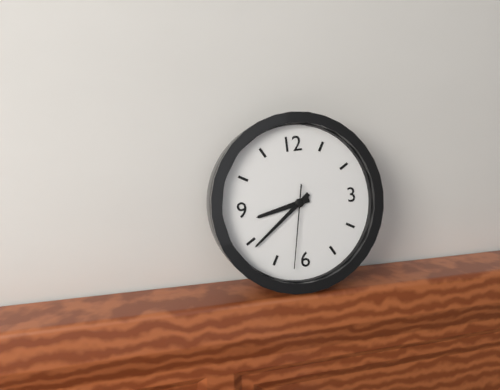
**8:39:32**
